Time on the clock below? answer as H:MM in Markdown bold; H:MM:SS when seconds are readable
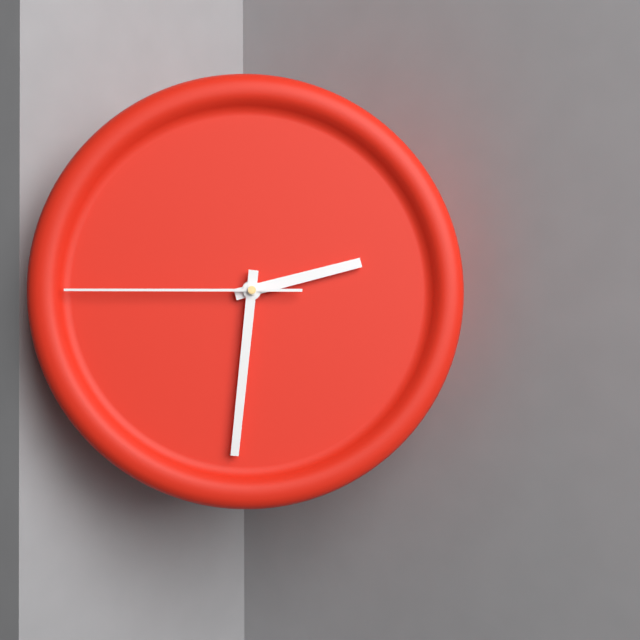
**2:31:45**
